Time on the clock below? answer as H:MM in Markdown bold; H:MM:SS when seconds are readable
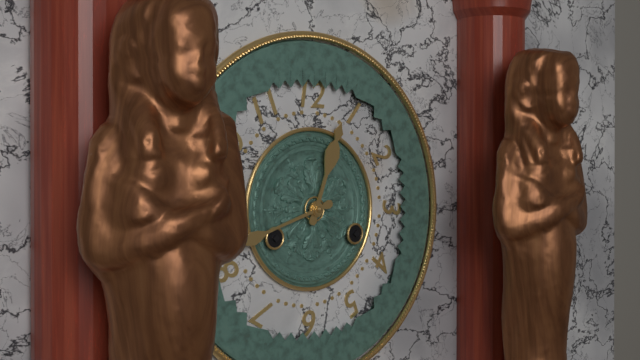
**12:42**
